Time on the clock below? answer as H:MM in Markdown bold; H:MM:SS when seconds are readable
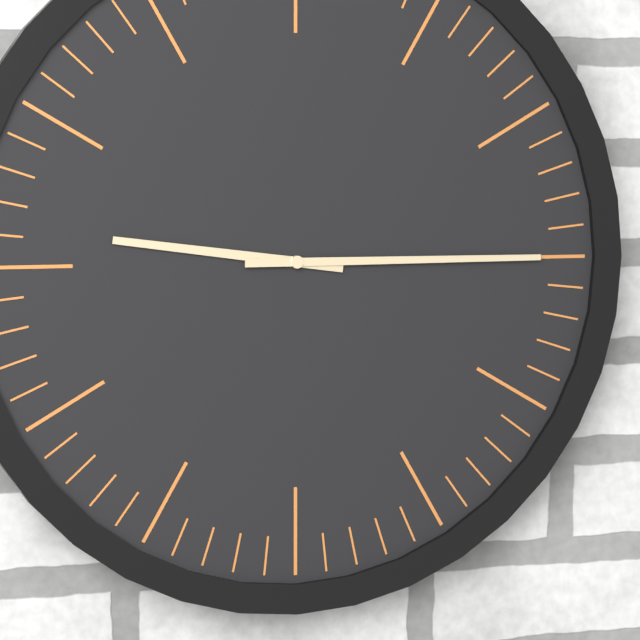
**9:15**
